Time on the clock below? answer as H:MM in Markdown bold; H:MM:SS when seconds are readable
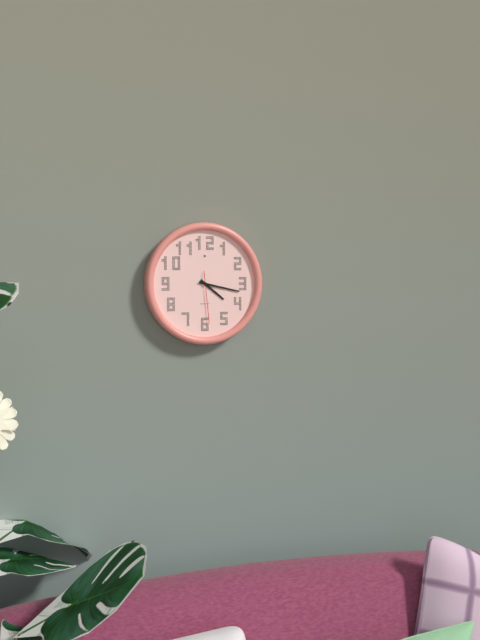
**4:17**
